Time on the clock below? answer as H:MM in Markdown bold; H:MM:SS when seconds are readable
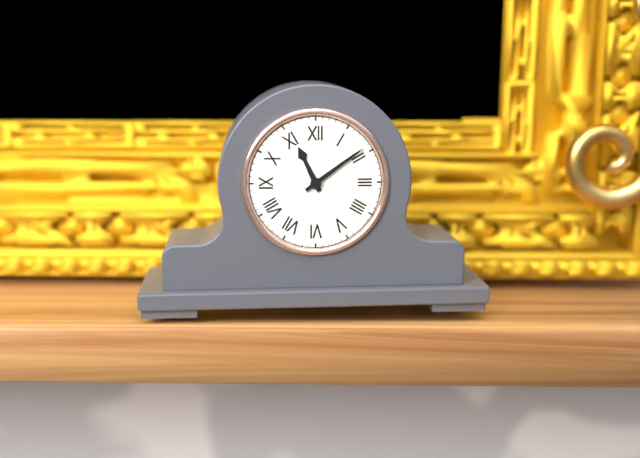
**11:09**
